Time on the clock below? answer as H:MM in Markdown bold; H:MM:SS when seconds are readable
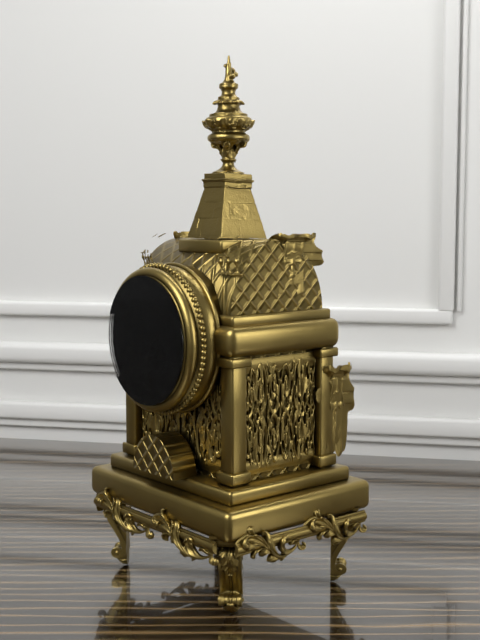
**5:52**
